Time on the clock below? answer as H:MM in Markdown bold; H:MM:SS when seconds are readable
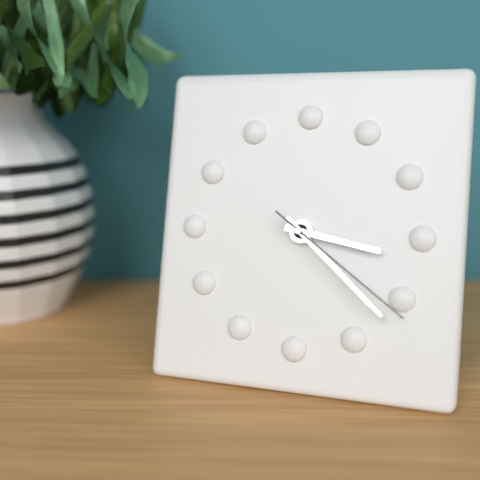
**3:22:21**
